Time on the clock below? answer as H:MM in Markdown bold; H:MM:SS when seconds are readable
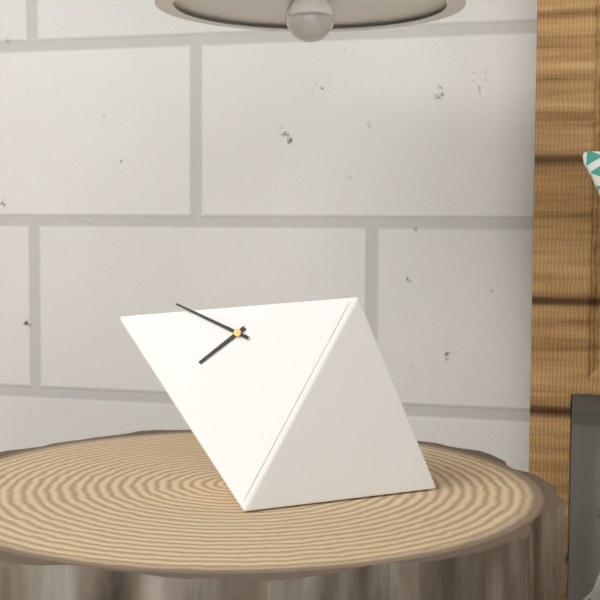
**7:50**
